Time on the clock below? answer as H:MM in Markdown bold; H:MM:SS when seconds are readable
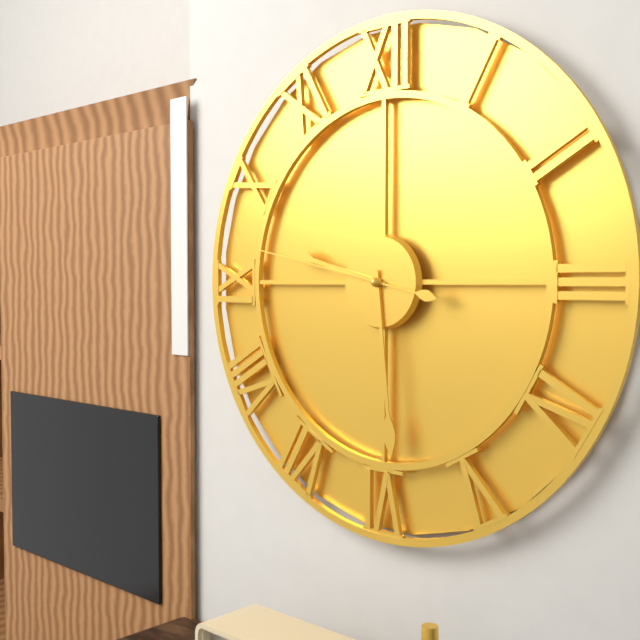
**9:29:47**
